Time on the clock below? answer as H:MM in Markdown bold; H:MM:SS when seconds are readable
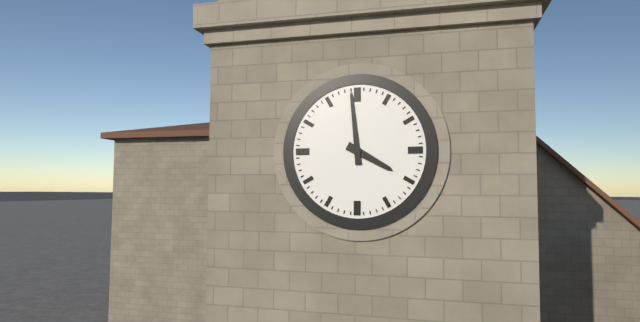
**3:59**
